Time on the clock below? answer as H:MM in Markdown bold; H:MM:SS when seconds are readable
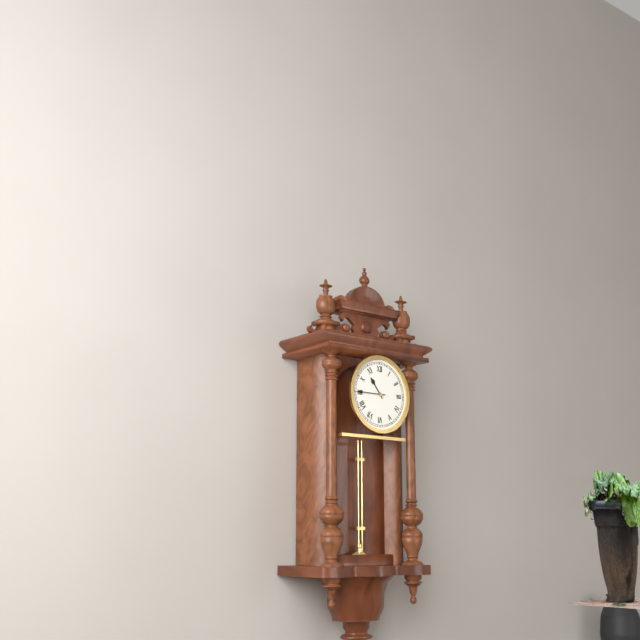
**10:45**
